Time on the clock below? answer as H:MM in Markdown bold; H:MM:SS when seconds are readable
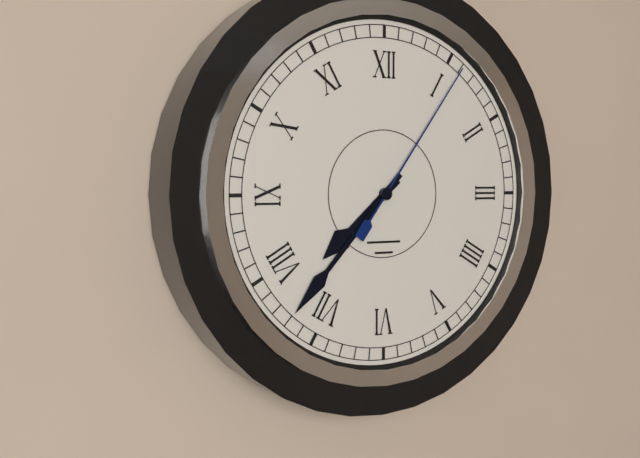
**7:37:06**
